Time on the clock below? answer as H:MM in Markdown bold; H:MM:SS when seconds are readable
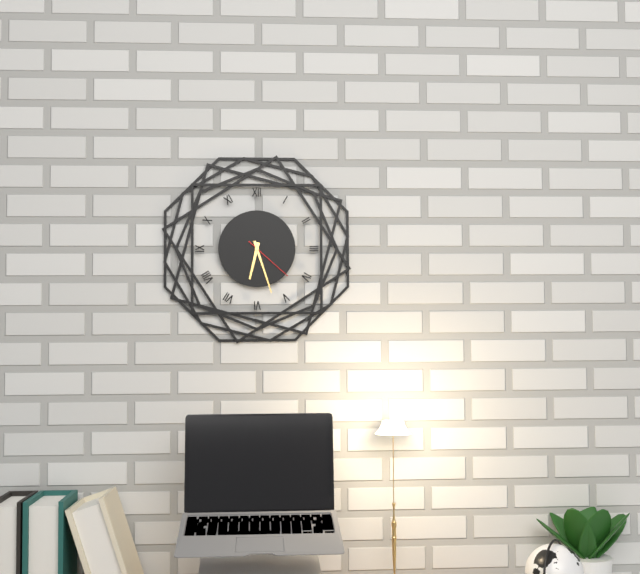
**6:27:22**
